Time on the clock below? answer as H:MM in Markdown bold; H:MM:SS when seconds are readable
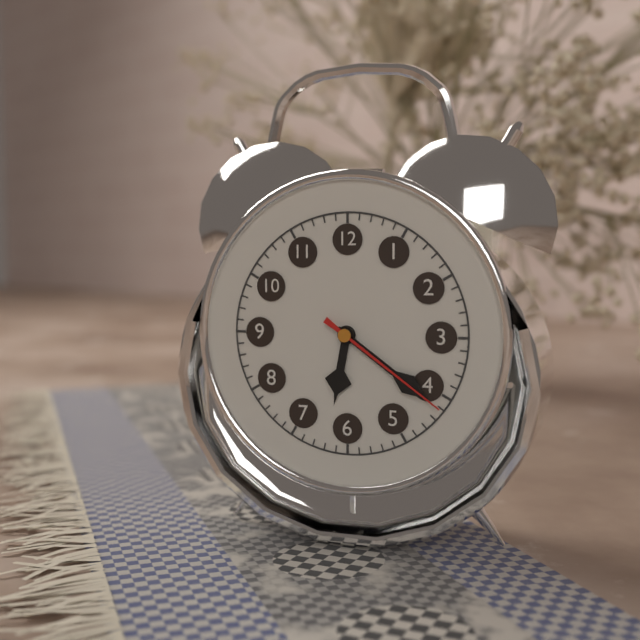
**6:21:21**
